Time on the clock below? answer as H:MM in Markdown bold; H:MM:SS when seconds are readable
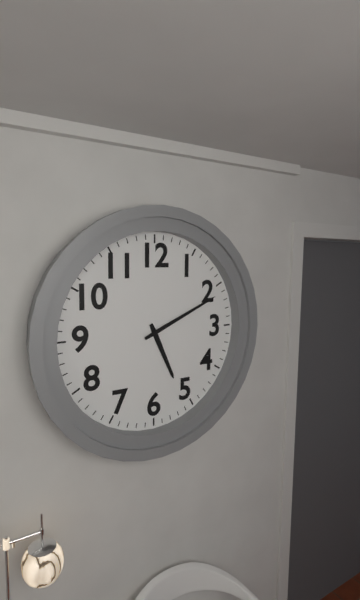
**5:11**
